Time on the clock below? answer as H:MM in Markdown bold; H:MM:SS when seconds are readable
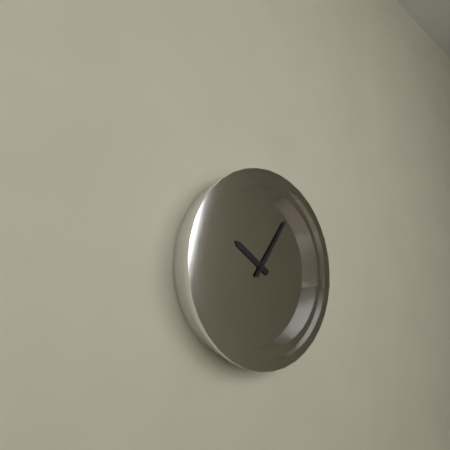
**10:06**
